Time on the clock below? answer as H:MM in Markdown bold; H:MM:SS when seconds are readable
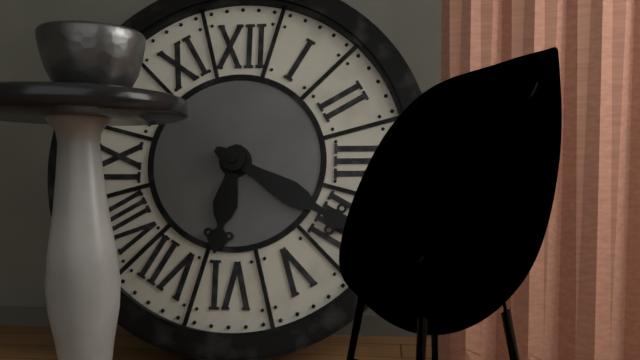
**6:20**
